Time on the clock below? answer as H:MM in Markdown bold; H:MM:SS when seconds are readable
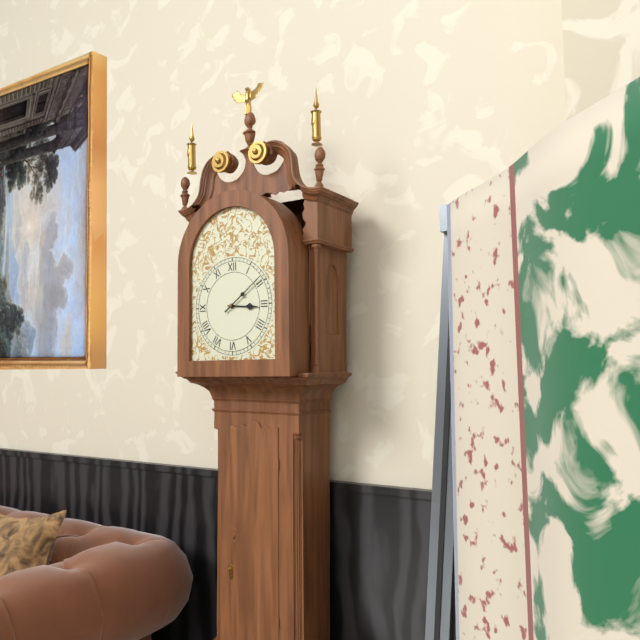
**3:09**
